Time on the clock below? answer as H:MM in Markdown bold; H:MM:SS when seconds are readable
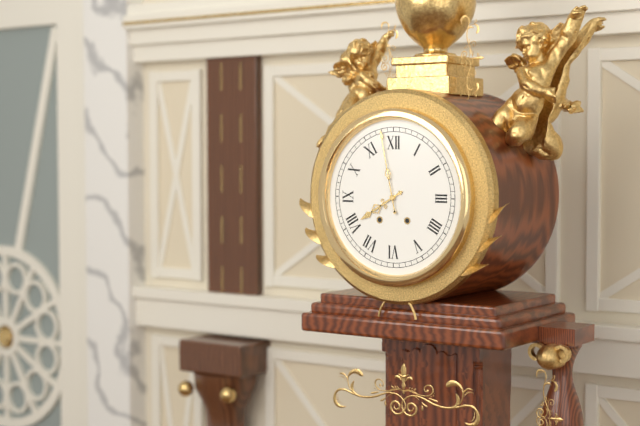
**7:58**
